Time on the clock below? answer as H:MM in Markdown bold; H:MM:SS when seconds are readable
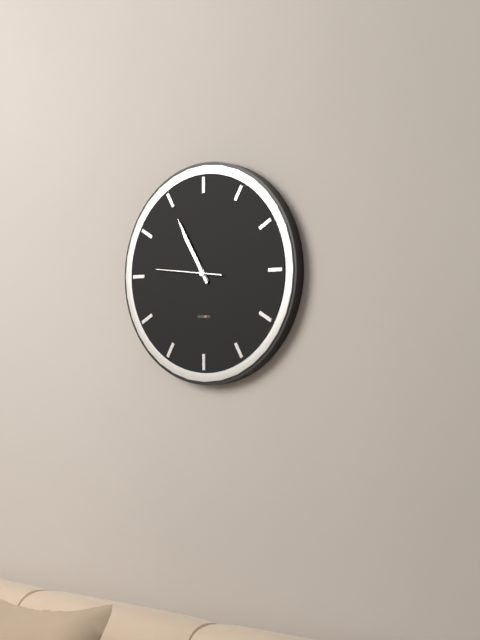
**10:55:46**
